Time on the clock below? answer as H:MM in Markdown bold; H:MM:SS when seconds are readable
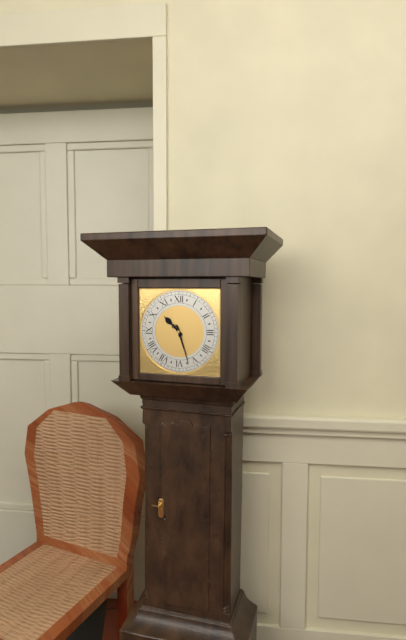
**10:27**
